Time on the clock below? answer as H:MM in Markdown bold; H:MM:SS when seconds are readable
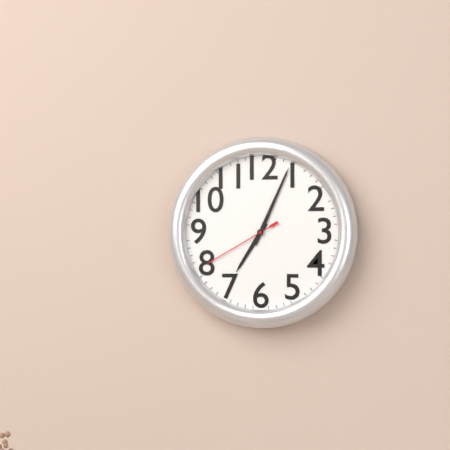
**7:04:40**
